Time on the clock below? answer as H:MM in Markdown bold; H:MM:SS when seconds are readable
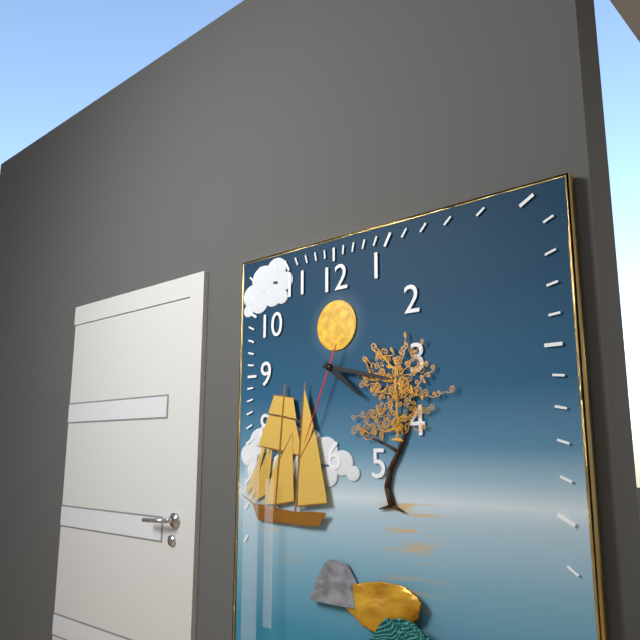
**4:17:34**
